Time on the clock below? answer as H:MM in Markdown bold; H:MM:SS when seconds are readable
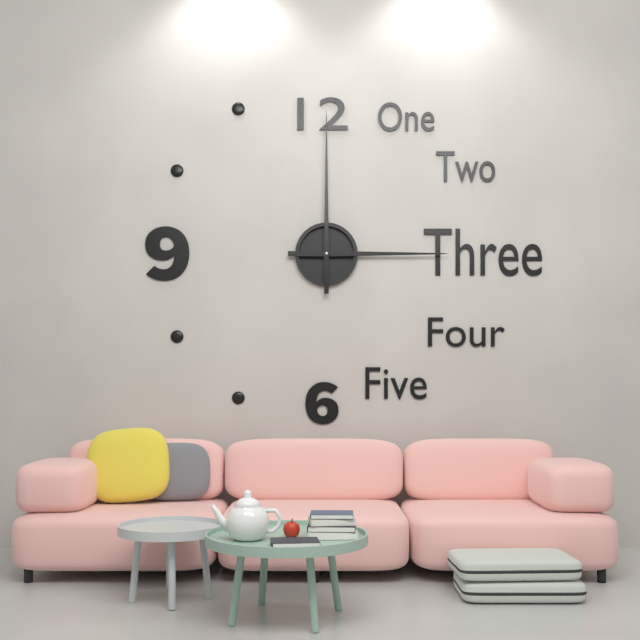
**3:00**
